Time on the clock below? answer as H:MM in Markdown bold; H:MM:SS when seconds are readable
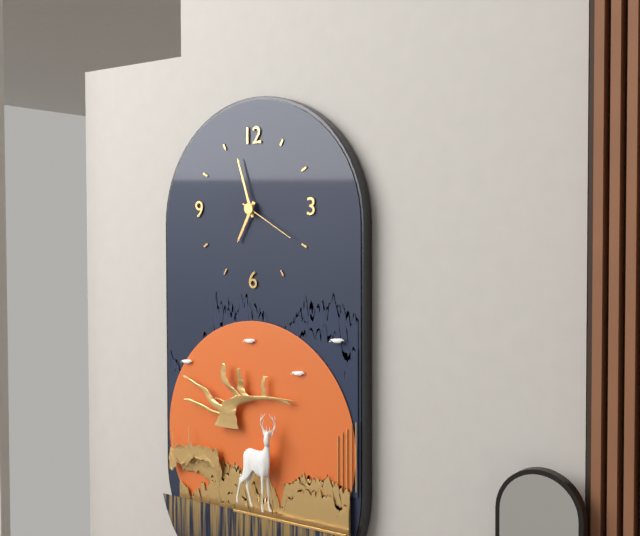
**6:57:20**
